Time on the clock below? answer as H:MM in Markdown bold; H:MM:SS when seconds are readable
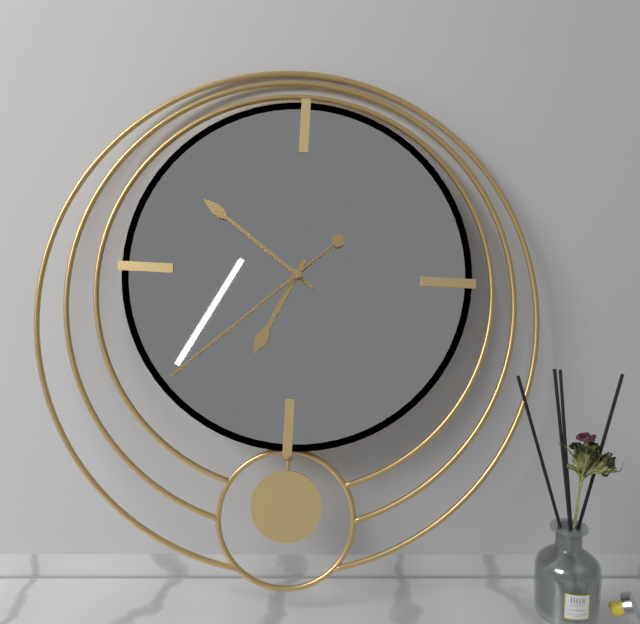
**6:51:38**
